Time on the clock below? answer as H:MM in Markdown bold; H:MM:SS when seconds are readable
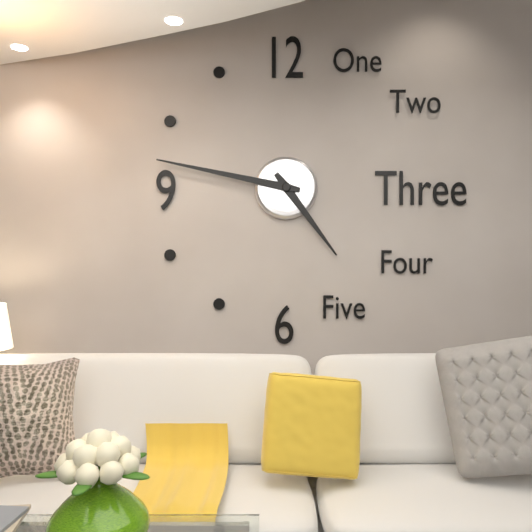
**4:47**
